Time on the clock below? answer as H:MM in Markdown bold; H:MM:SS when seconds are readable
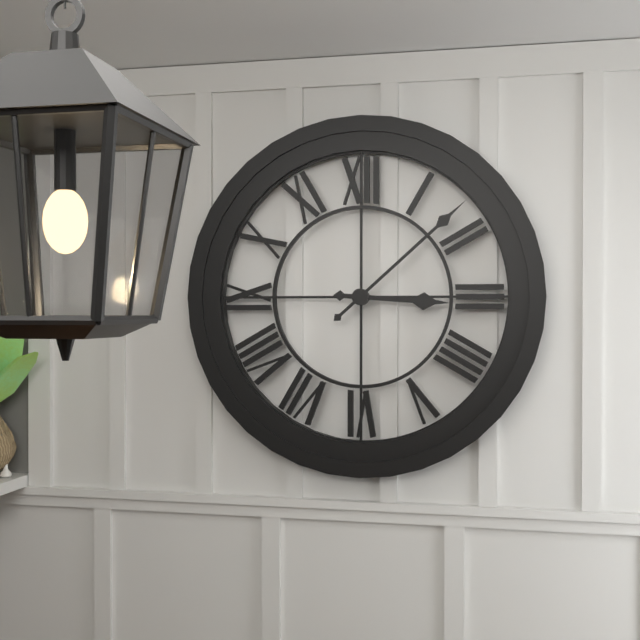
**3:08**
